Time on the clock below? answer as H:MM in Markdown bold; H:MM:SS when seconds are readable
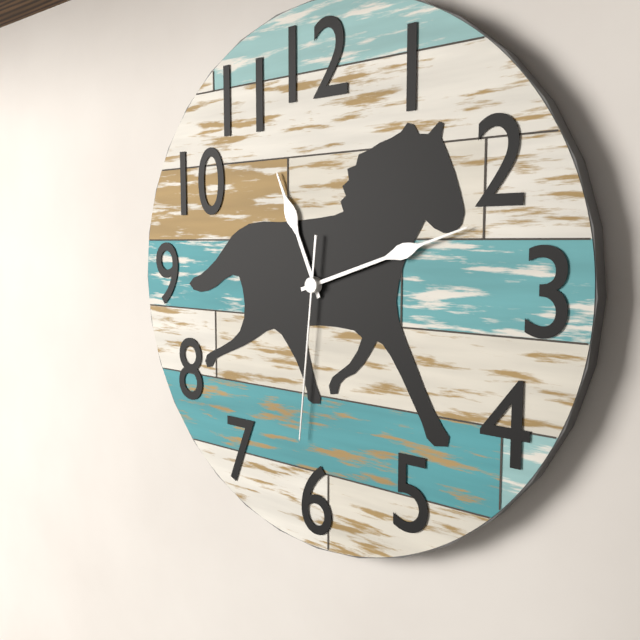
**11:12:31**
